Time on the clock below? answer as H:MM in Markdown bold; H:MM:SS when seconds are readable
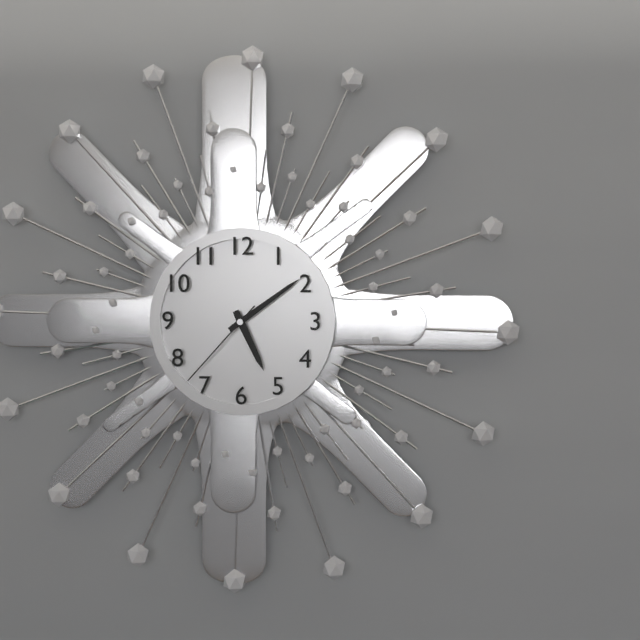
**5:09:37**
